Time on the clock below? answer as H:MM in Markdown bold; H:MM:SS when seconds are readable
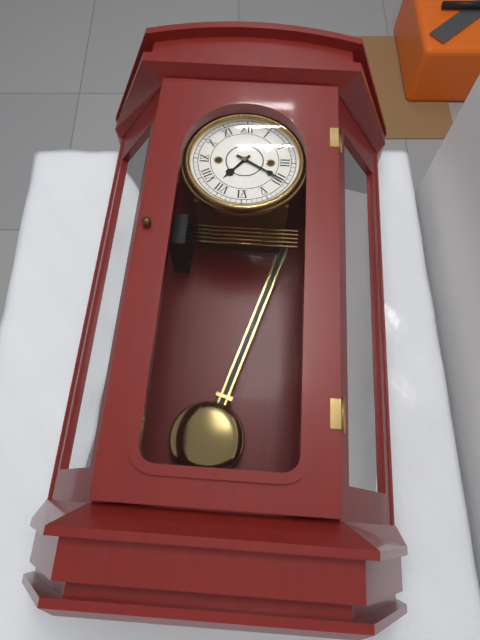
**7:20**
